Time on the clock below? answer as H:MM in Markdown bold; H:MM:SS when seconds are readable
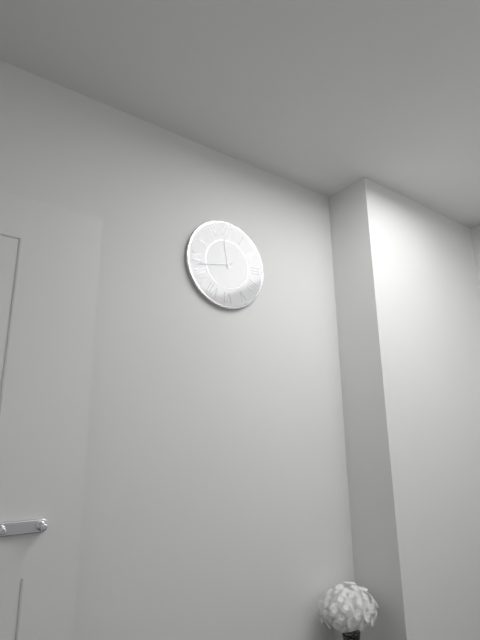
**11:43**
